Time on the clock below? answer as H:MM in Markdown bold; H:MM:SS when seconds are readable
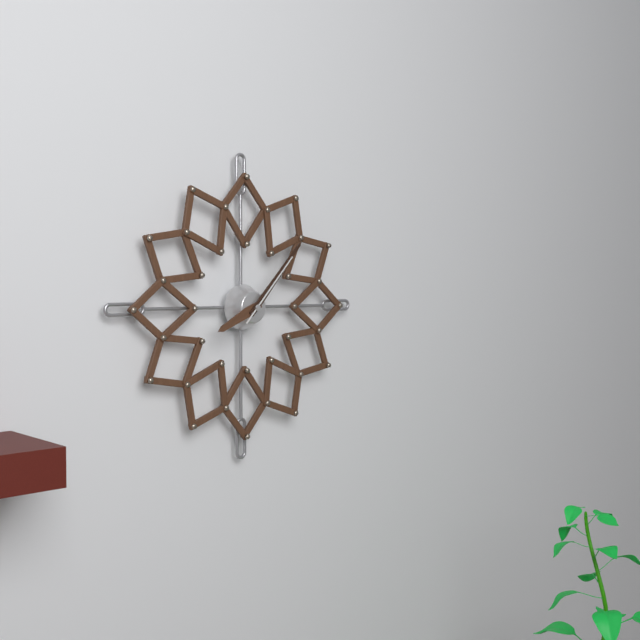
**8:07:07**
